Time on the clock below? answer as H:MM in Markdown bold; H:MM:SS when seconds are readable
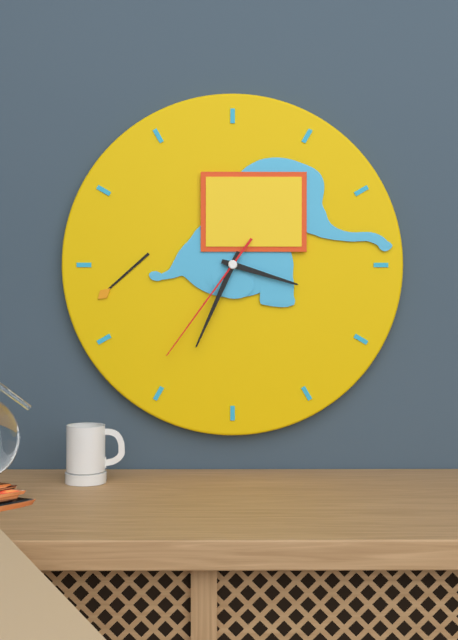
**3:34:36**
